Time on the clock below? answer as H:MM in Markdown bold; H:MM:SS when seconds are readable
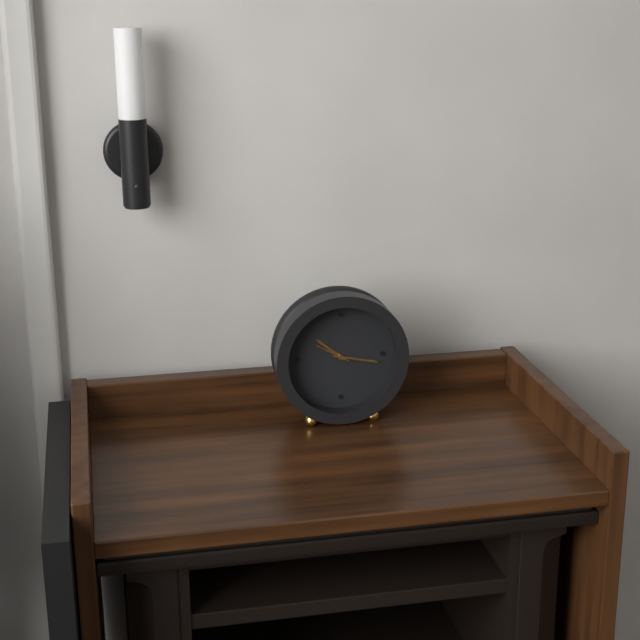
**10:17**
